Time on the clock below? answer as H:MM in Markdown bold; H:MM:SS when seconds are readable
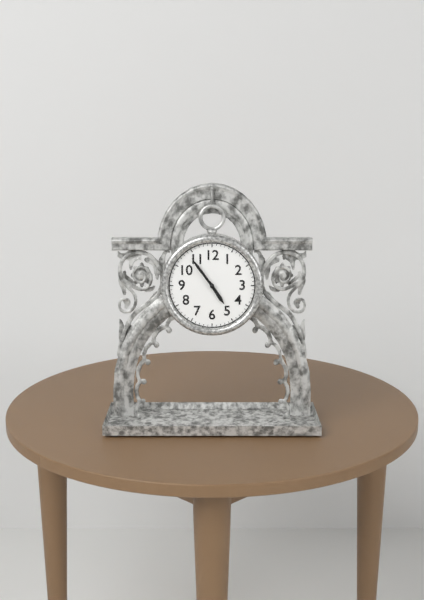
**4:54**
